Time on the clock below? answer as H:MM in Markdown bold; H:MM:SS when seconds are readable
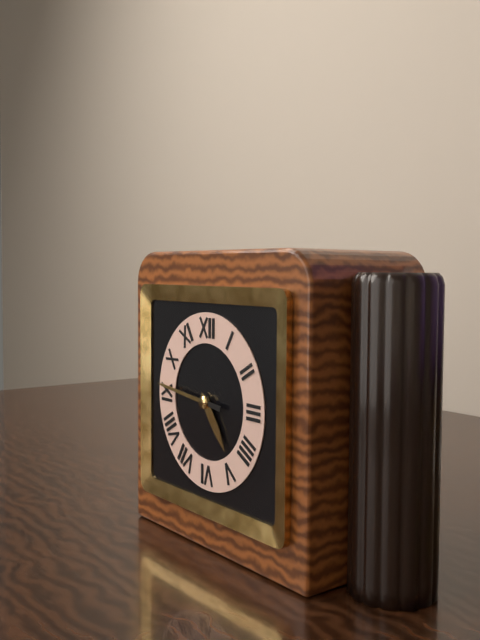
**4:46**
